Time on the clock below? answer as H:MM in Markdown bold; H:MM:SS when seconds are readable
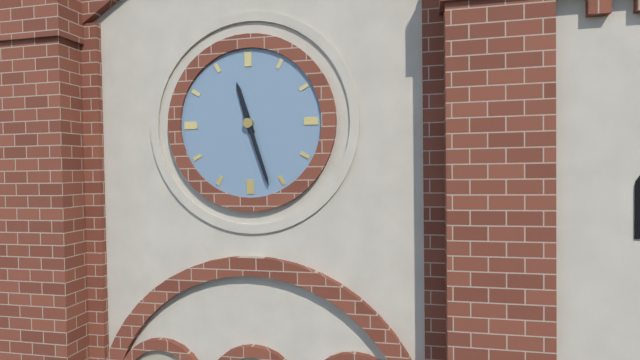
**11:27**
